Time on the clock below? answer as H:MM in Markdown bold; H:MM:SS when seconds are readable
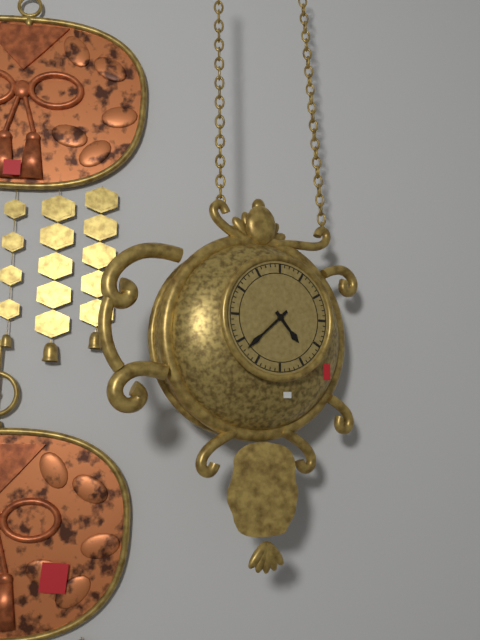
**4:38**
